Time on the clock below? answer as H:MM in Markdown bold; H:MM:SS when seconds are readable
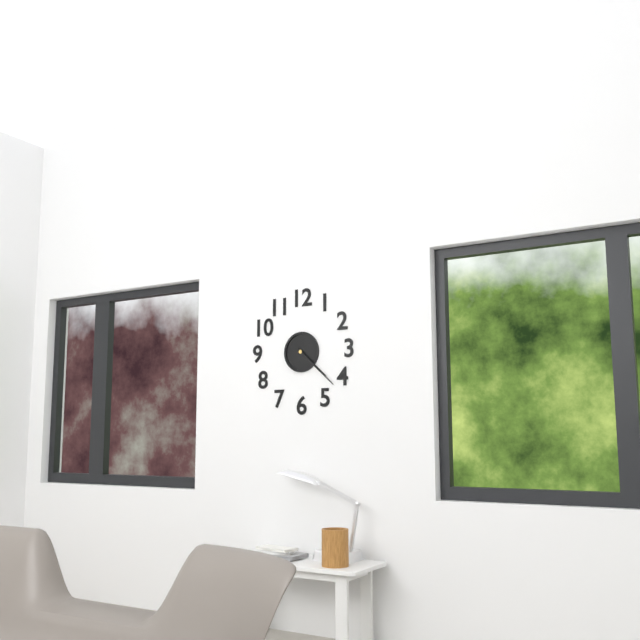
**4:22**
